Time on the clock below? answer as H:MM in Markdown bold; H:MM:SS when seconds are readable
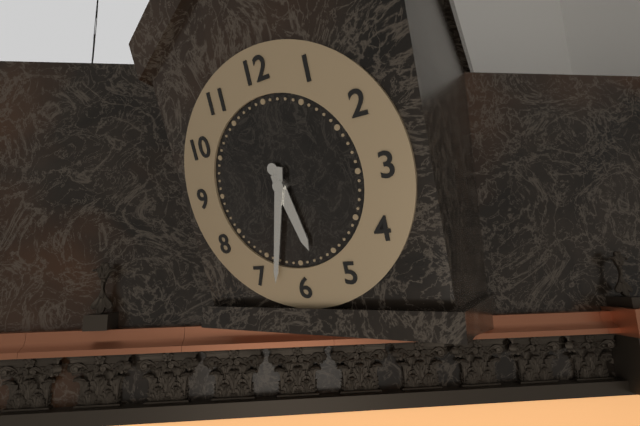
**5:33**
